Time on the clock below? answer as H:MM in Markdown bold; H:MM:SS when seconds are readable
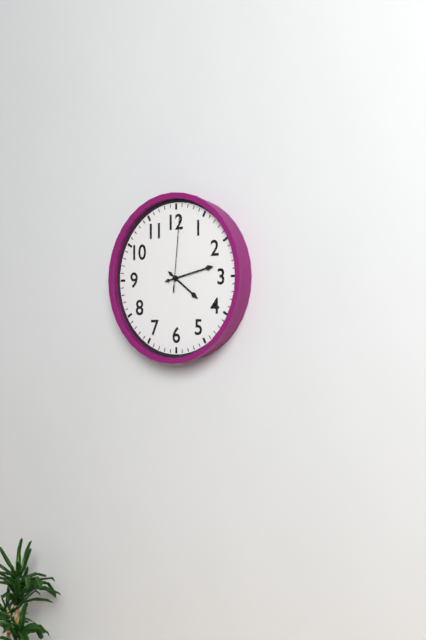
**4:13:01**
